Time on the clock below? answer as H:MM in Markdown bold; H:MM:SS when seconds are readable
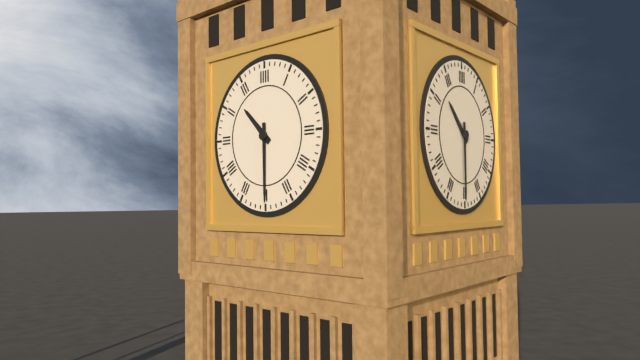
**10:30**
